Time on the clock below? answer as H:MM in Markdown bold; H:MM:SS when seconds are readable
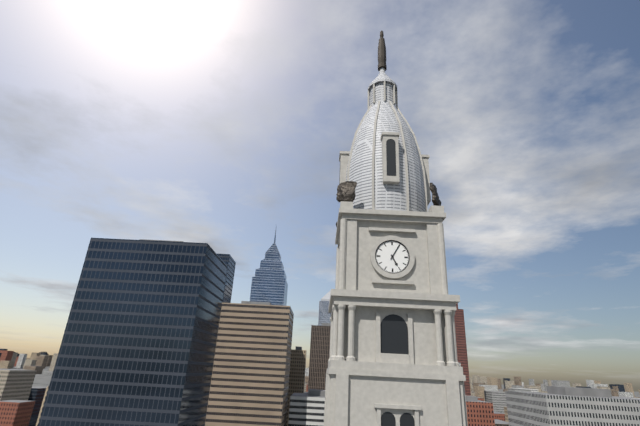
**5:05**
